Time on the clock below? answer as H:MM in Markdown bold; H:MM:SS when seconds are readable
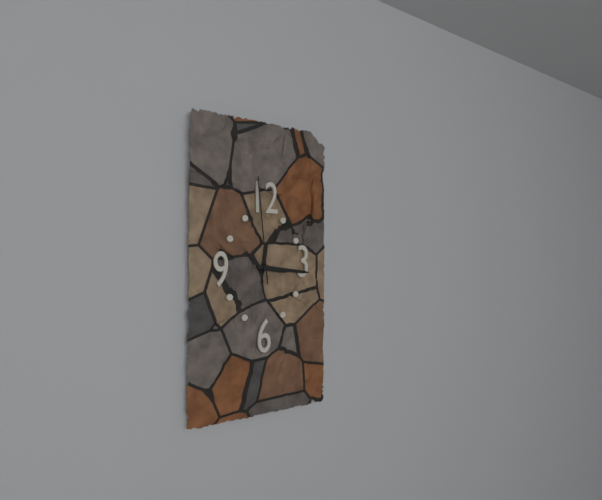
**3:16:59**
